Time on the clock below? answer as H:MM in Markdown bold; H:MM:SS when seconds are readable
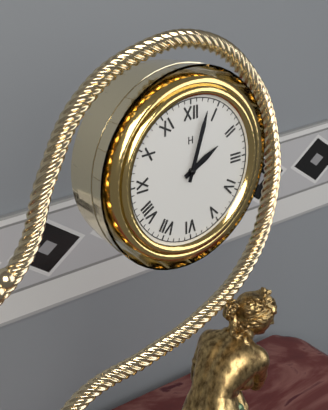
**2:03**
